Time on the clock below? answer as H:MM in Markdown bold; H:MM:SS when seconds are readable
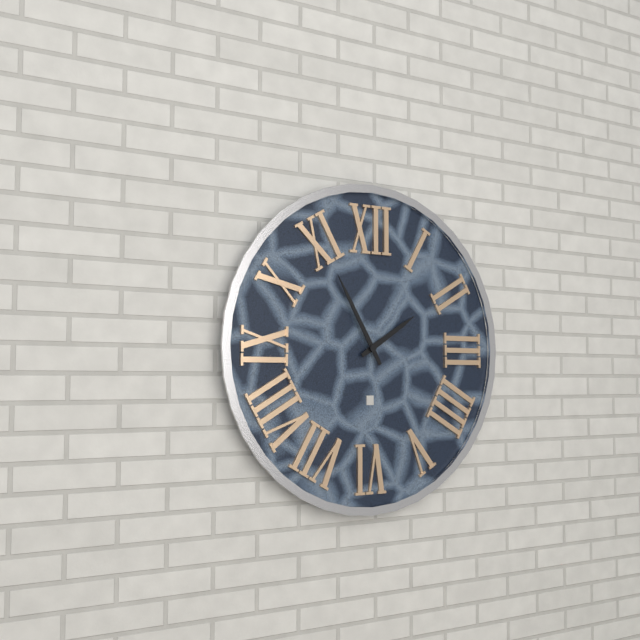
**1:55**
